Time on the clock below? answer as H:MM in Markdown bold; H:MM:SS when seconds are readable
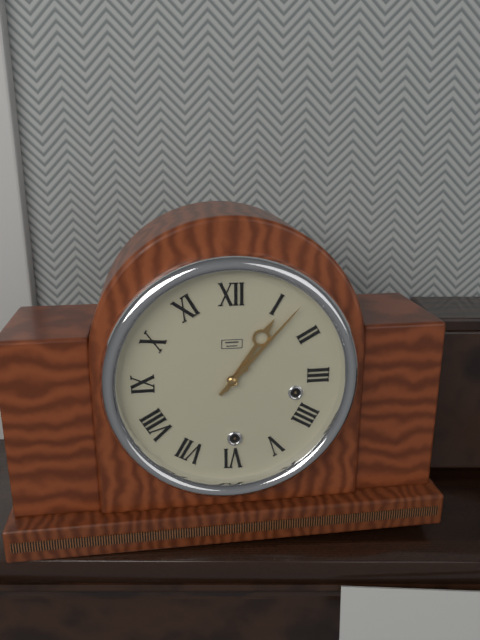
**1:07**
